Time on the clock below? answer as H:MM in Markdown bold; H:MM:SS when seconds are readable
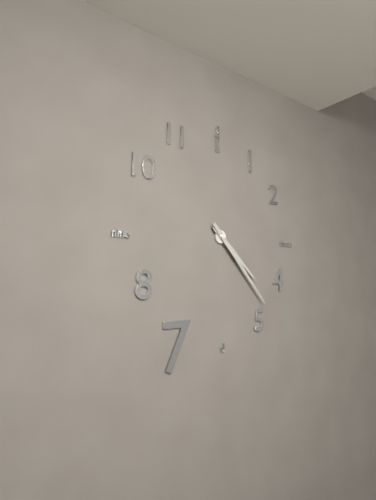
**4:23**
